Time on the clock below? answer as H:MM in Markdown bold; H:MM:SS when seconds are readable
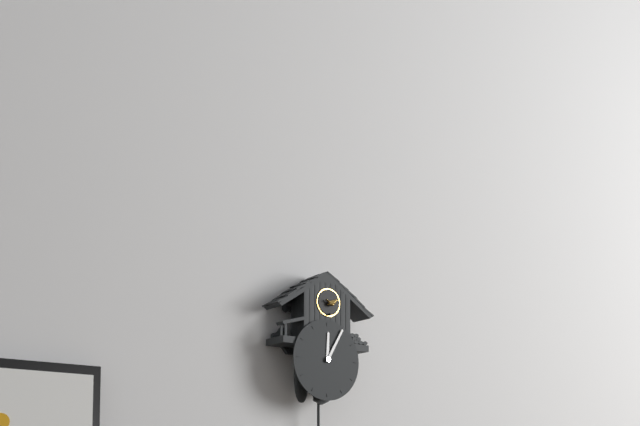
**12:05**
